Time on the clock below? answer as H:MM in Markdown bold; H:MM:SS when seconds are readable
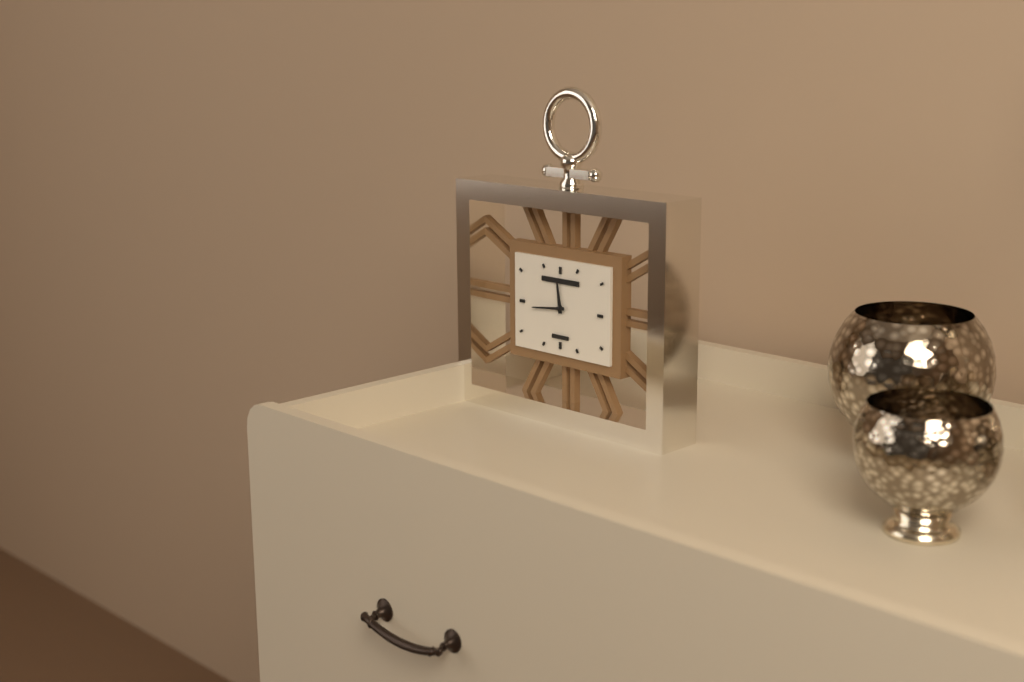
**11:44**
